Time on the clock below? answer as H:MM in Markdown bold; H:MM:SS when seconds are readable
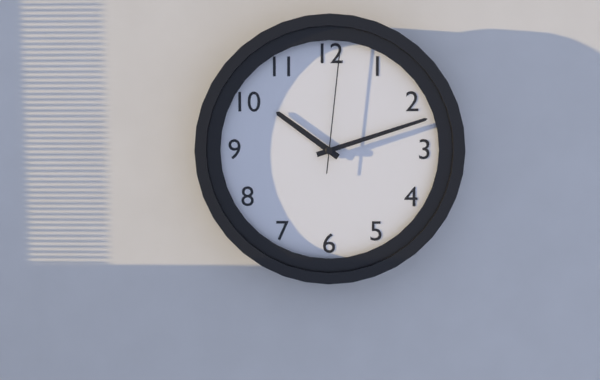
**10:12:01**
